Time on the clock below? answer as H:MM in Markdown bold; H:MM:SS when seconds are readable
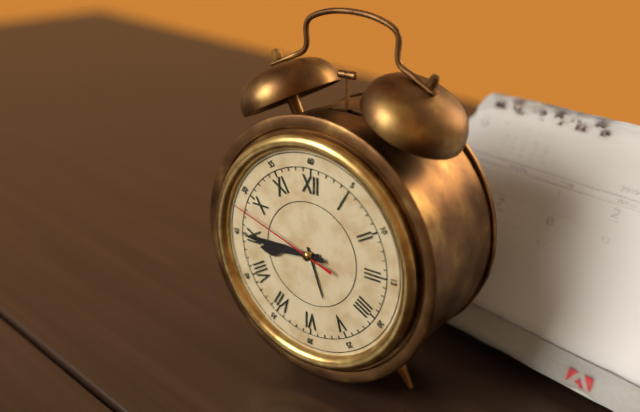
**8:45:48**
